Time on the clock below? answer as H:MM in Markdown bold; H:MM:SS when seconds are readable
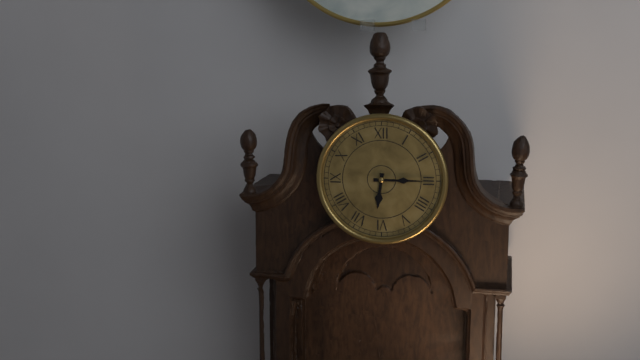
**6:15**
